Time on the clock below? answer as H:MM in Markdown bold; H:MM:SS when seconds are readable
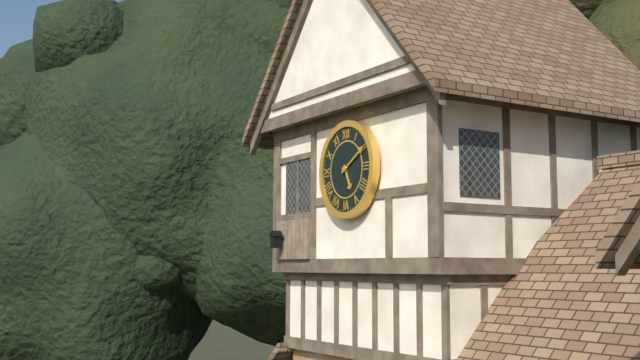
**5:10**
